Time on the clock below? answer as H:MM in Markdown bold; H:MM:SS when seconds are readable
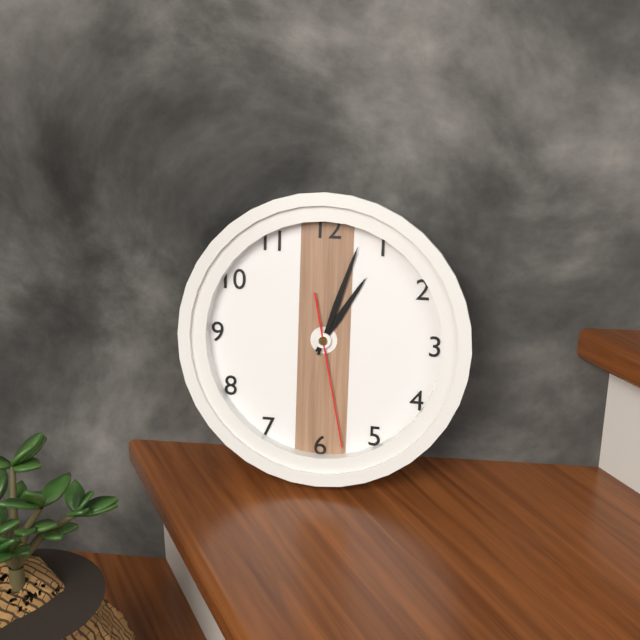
**1:03:28**
